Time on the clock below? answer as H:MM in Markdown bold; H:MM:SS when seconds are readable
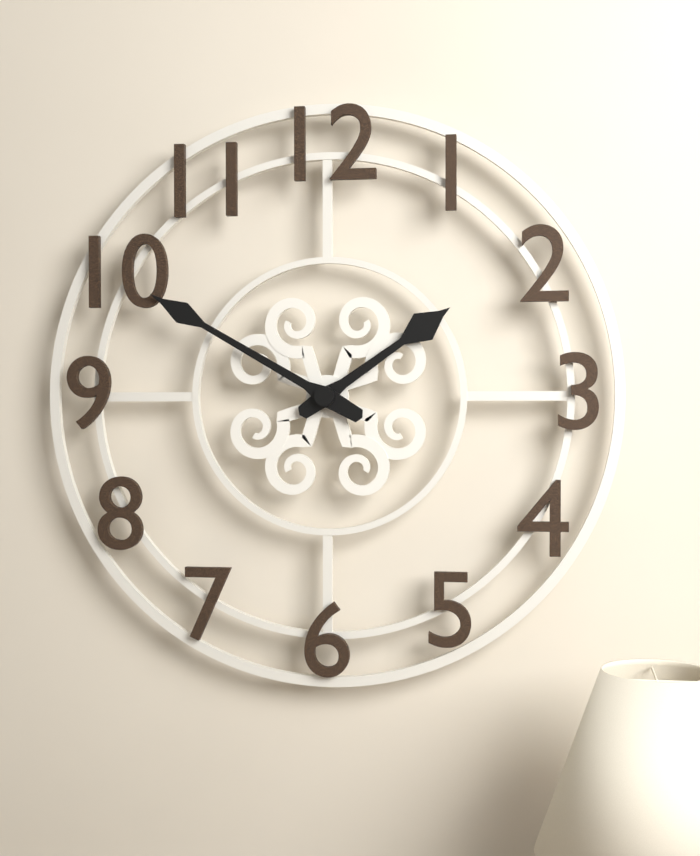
**1:50**
